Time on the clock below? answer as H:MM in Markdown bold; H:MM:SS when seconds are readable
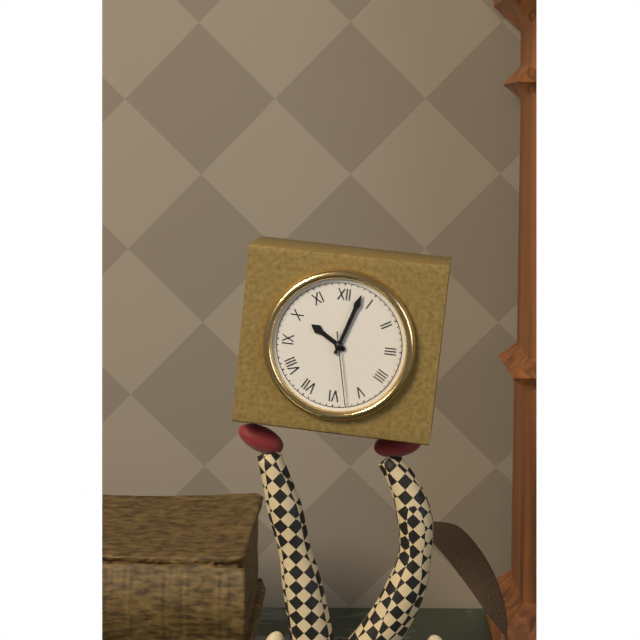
**10:03:28**
